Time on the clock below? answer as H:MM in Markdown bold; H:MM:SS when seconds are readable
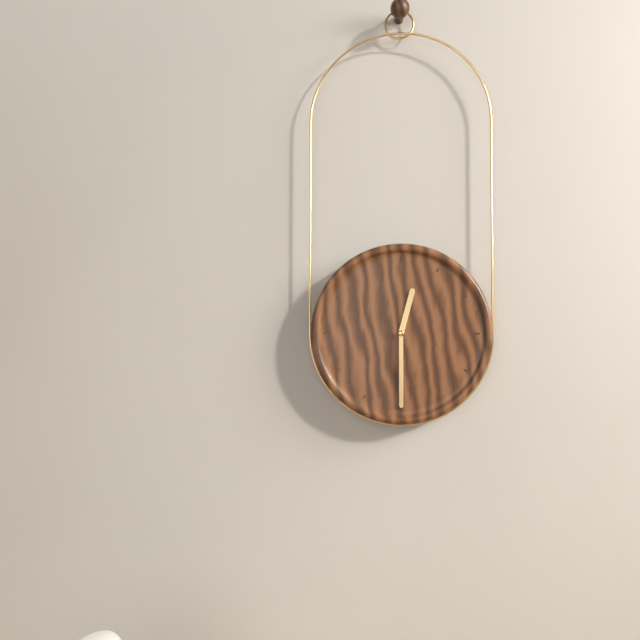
**12:30**
